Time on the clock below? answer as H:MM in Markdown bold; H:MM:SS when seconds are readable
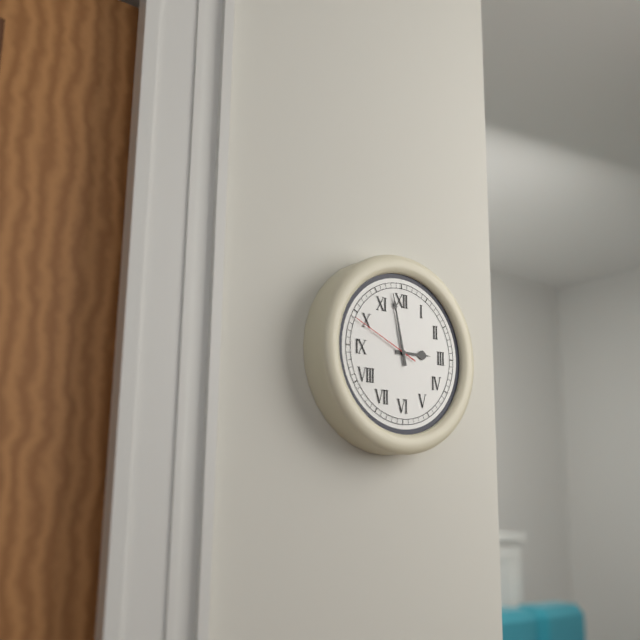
**2:58:49**
